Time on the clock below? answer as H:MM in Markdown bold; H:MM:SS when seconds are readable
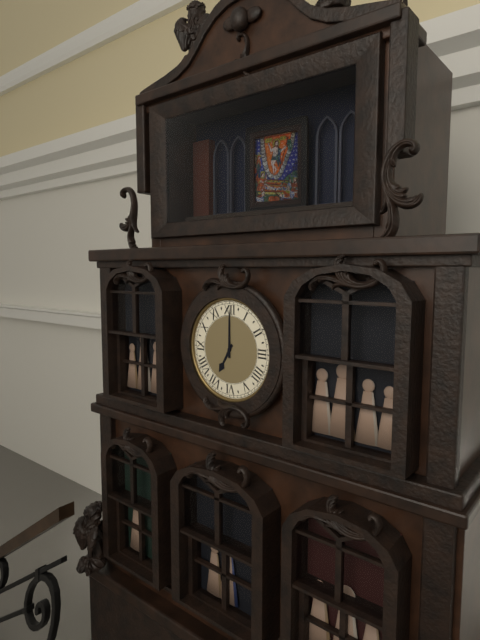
**7:00**
